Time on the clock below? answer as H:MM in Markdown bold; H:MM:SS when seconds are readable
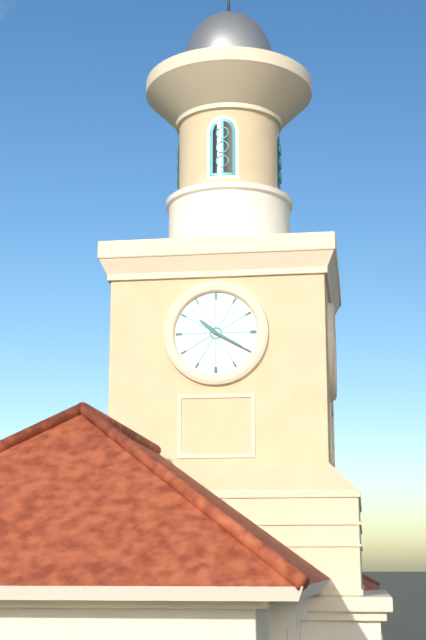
**10:20**
